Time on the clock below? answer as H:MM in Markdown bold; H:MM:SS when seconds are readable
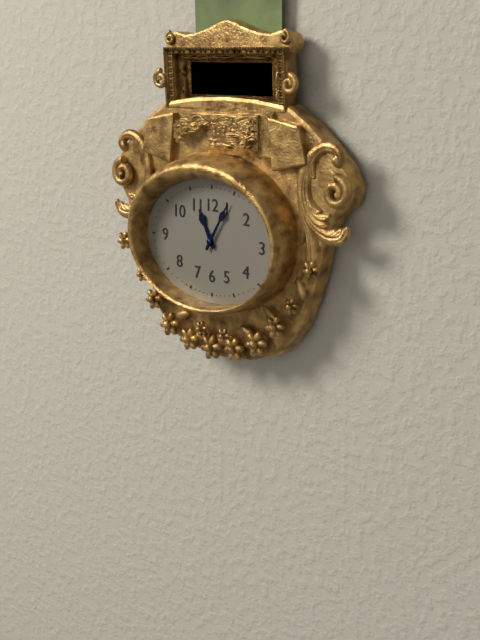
**11:05**
